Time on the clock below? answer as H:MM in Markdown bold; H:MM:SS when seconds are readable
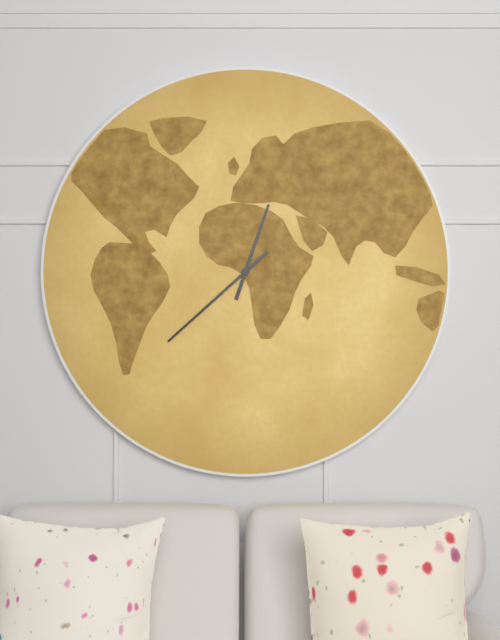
**12:38**
